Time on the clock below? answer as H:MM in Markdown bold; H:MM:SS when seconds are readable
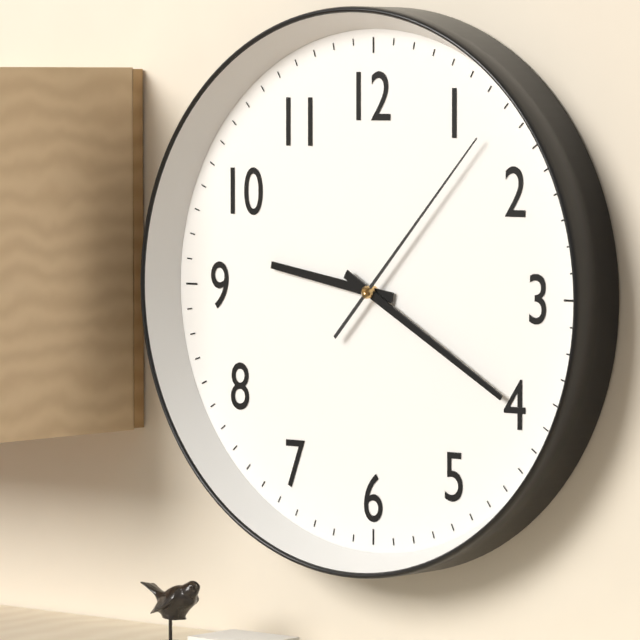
**9:20:07**
